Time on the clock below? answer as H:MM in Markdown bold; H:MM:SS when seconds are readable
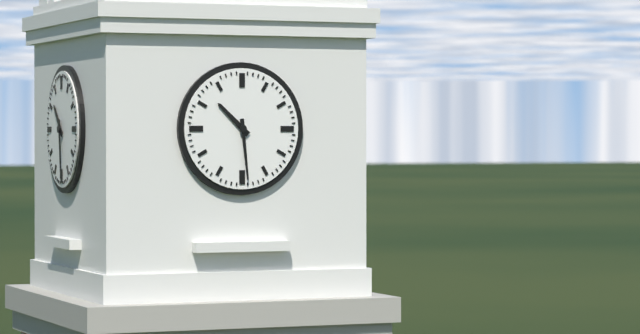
**10:29**
